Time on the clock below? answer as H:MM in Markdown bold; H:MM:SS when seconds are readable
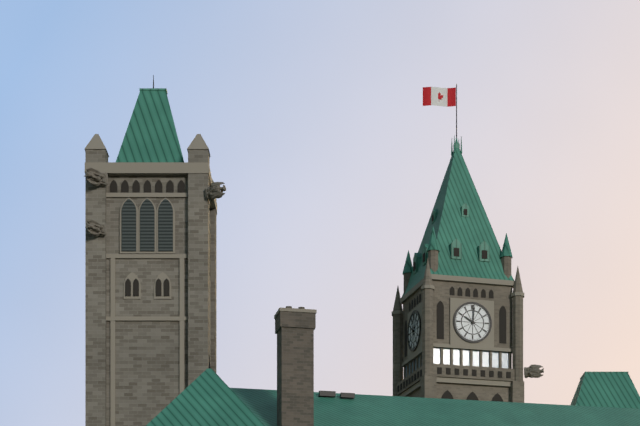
**10:01**
